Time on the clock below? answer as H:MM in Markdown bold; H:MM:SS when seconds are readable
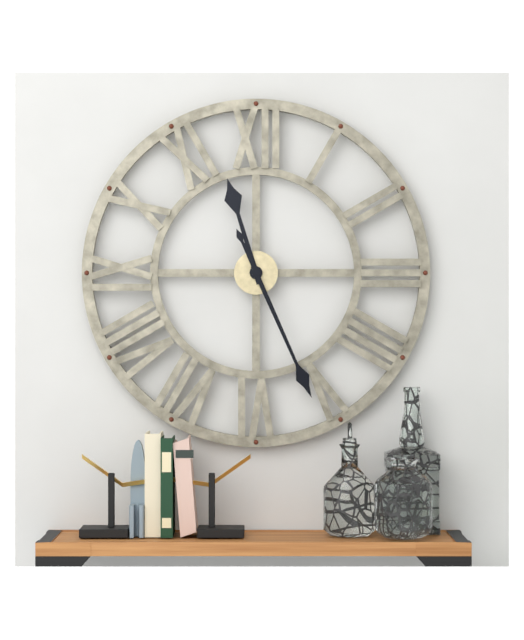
**11:26**
